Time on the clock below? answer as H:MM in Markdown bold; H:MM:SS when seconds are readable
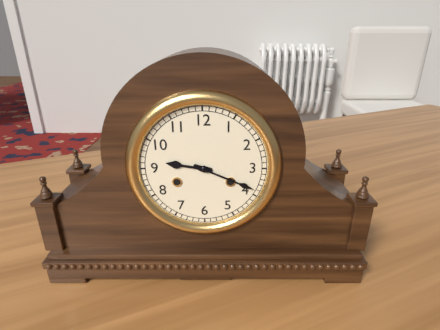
**9:19**
